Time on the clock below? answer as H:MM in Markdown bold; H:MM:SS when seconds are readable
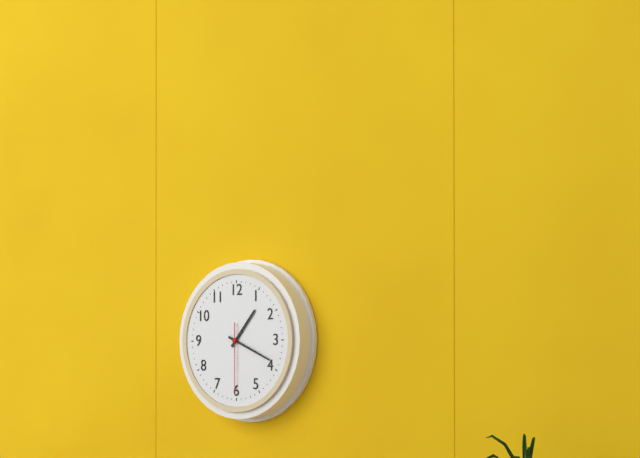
**1:19:30**
